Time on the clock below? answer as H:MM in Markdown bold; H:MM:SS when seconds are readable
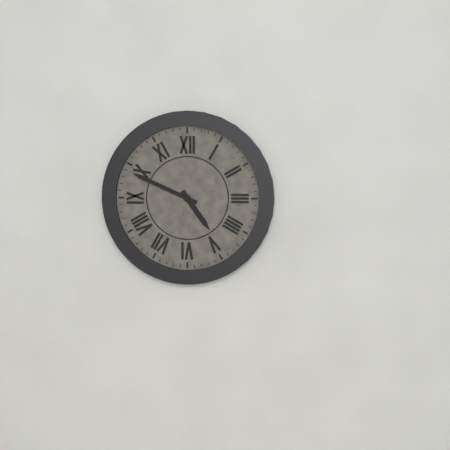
**4:49**
